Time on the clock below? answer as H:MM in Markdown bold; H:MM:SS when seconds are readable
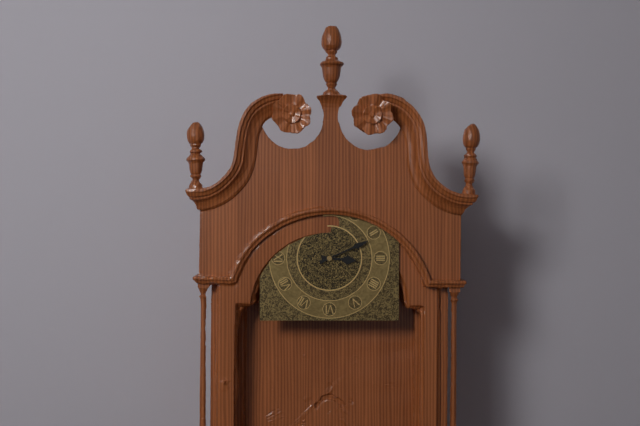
**3:11**
